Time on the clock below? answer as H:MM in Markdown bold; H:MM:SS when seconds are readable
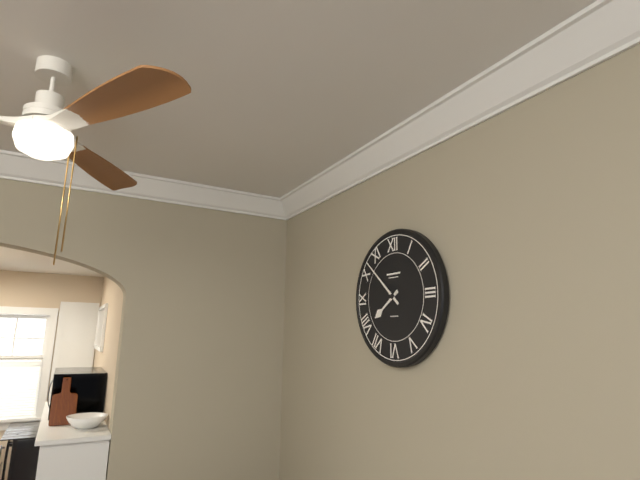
**7:52**
